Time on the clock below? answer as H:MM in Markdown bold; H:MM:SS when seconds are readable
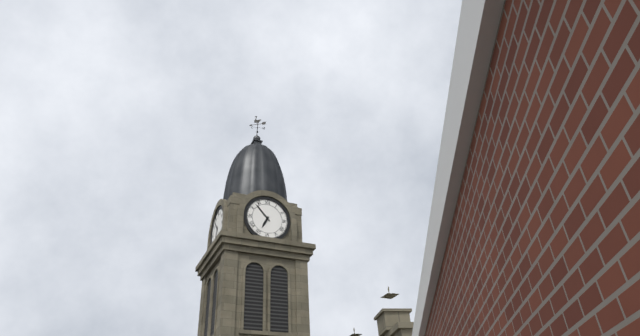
**6:53**
